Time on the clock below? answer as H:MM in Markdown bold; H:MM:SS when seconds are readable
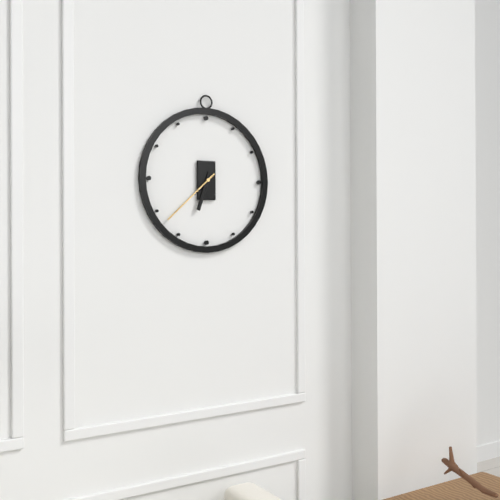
**6:38**
